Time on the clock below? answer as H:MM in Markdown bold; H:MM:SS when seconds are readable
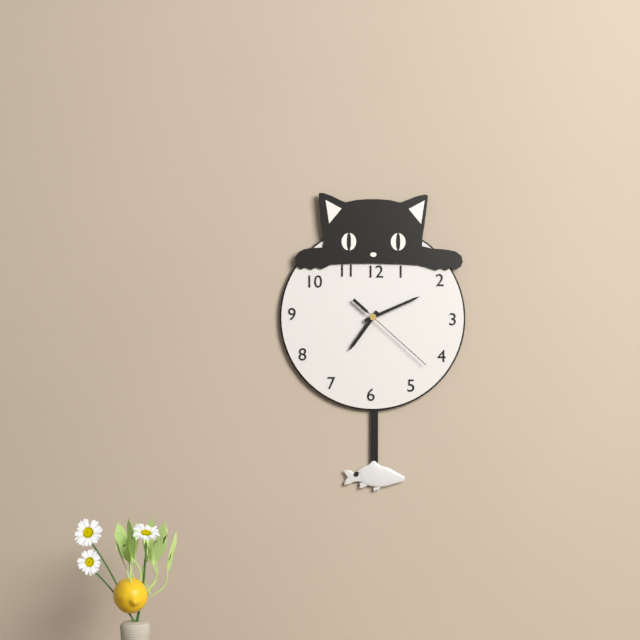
**7:11:22**
